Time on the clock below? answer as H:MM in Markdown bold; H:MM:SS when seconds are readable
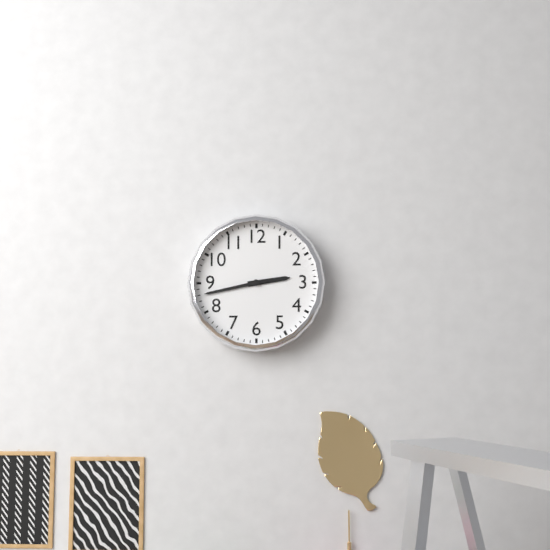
**2:43**
